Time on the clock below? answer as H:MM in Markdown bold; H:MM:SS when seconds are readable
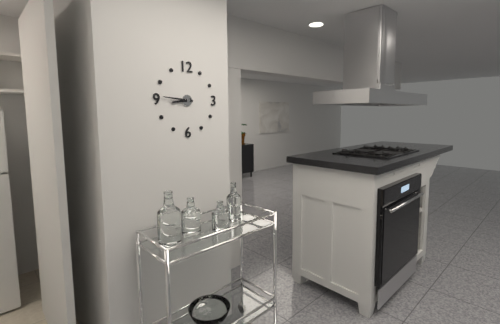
**8:46**
